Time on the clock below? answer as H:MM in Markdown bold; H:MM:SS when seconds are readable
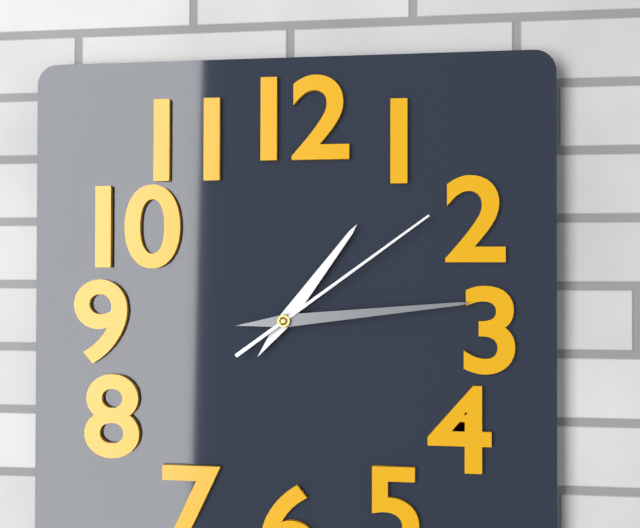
**1:14:09**
